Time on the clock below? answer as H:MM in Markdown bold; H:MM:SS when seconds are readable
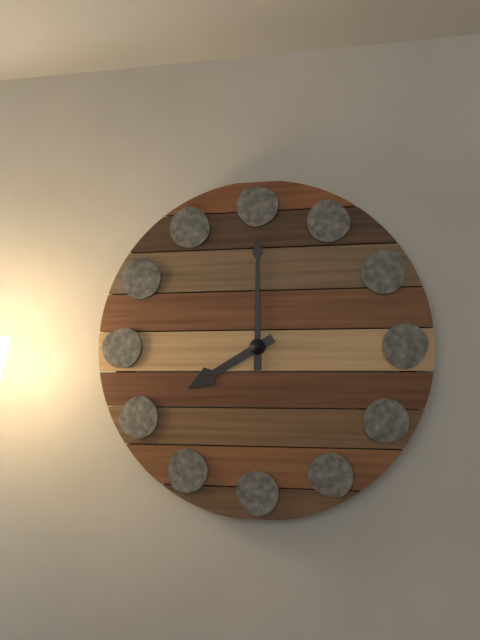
**8:00**
